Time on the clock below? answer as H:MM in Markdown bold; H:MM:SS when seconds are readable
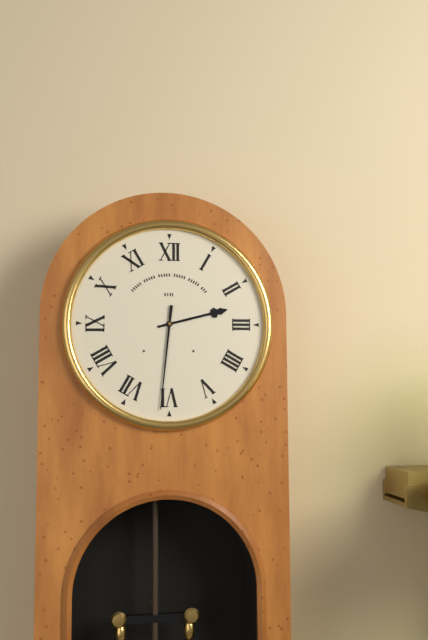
**2:31**
